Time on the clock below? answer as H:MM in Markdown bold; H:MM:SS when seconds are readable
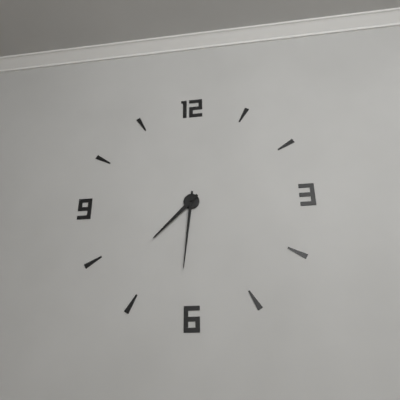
**7:31**
